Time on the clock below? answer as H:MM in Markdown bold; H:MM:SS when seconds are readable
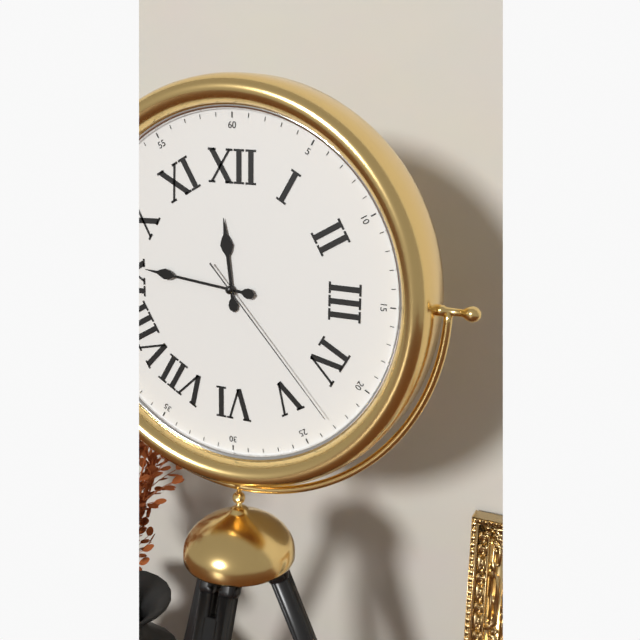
**11:46:23**
